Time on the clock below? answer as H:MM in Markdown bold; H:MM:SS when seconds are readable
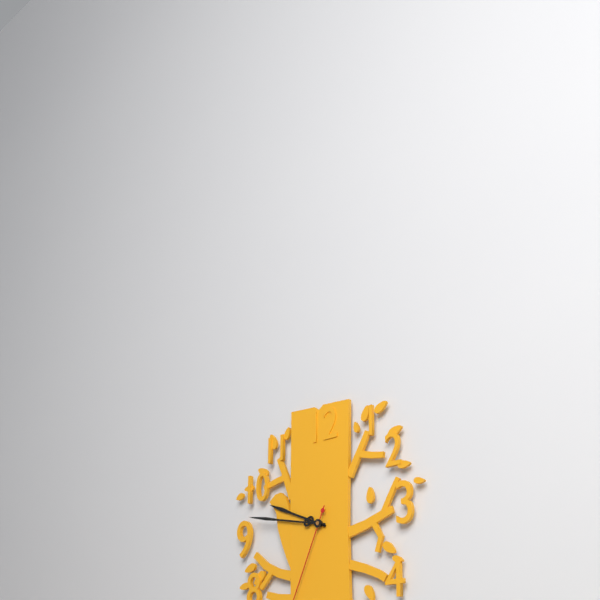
**9:47**
